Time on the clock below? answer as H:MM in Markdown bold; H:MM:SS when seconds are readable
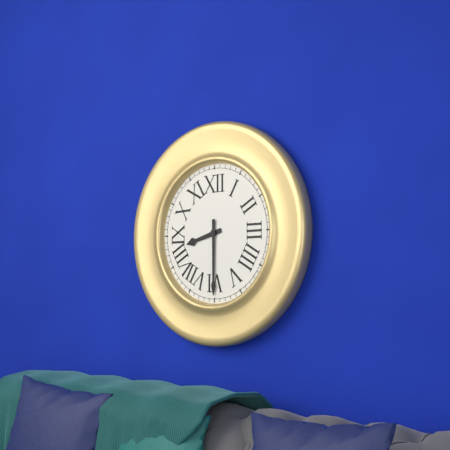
**8:30**
